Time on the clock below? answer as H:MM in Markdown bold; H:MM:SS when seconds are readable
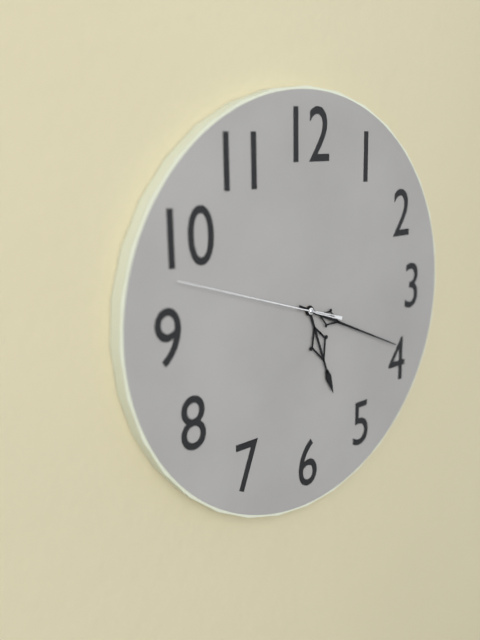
**5:19:48**
